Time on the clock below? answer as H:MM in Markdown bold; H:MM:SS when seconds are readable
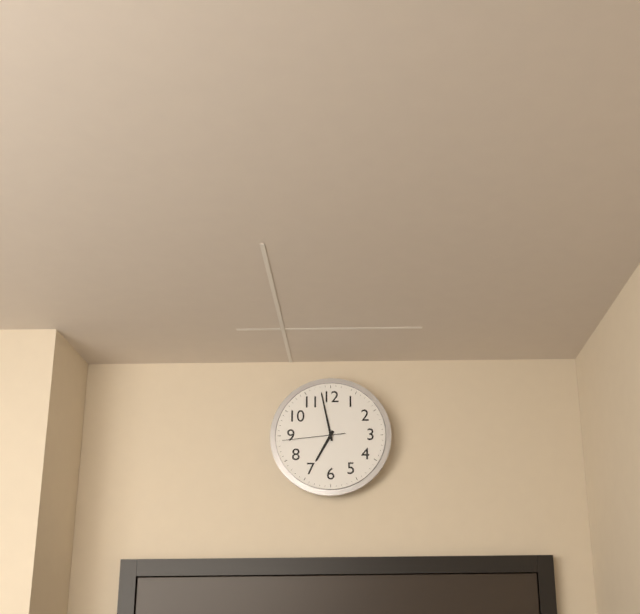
**6:58:44**
